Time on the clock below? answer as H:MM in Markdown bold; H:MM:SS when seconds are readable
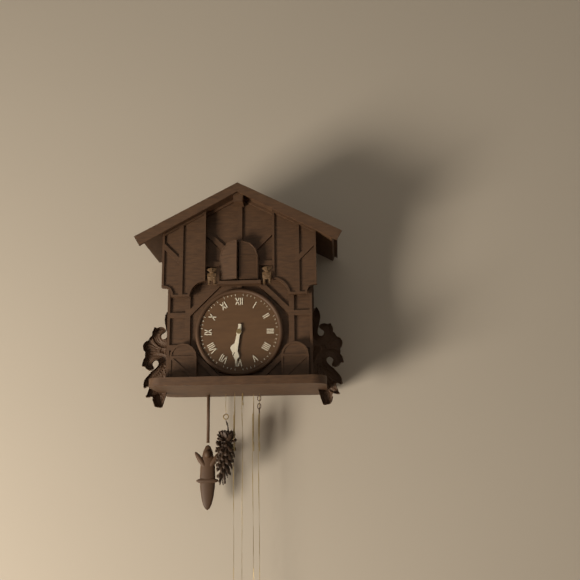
**6:31**
